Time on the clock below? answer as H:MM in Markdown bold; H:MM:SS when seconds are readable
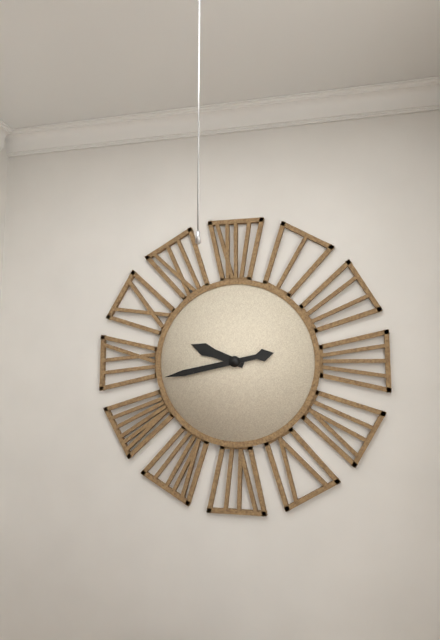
**9:43**
